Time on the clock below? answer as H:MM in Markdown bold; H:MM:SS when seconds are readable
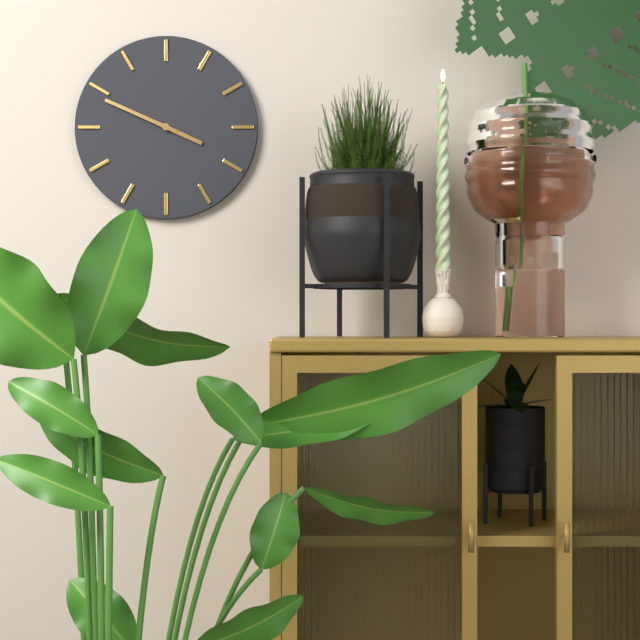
**3:49**
